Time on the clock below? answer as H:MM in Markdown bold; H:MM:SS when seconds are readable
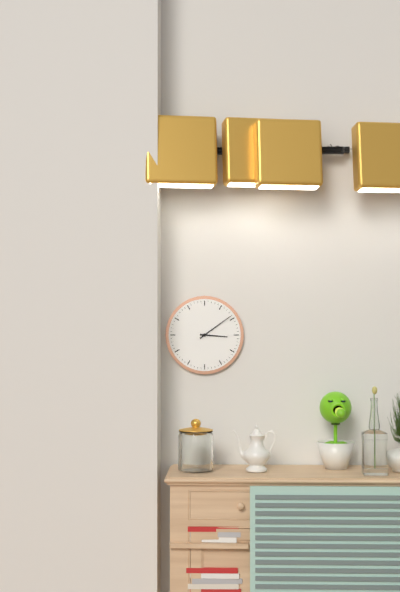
**3:09**
